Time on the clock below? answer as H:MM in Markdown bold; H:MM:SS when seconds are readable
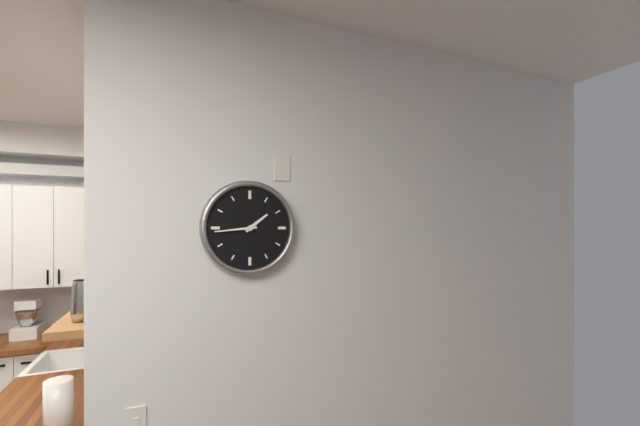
**1:44**
